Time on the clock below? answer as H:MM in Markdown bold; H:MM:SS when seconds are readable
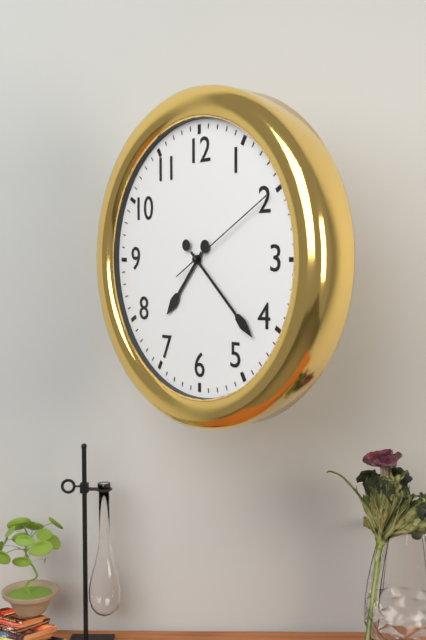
**7:22:10**
